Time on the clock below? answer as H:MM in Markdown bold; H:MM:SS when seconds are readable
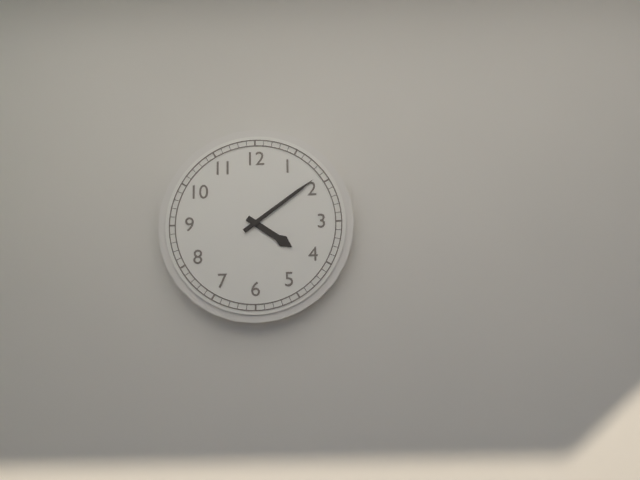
**4:09**
